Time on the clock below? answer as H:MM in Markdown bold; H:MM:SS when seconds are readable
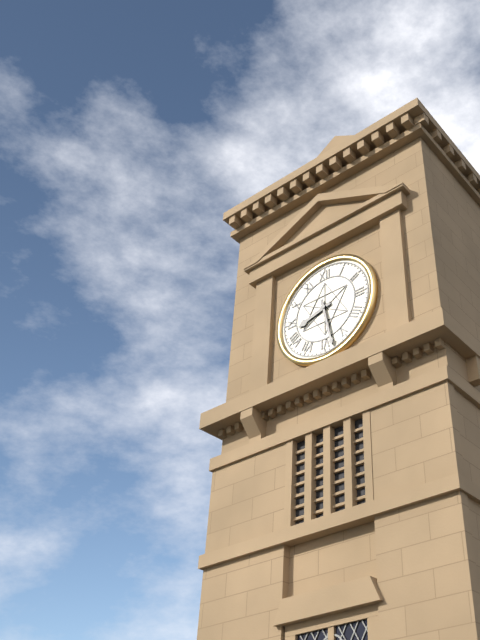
**8:28**
